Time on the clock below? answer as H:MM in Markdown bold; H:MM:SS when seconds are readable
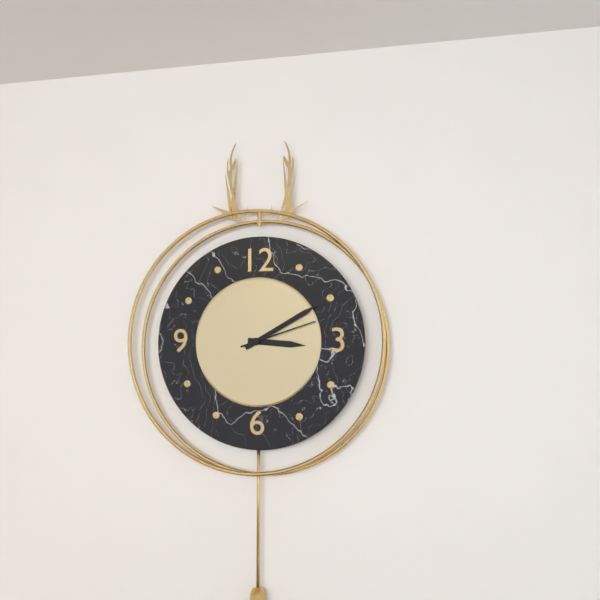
**3:10:12**
